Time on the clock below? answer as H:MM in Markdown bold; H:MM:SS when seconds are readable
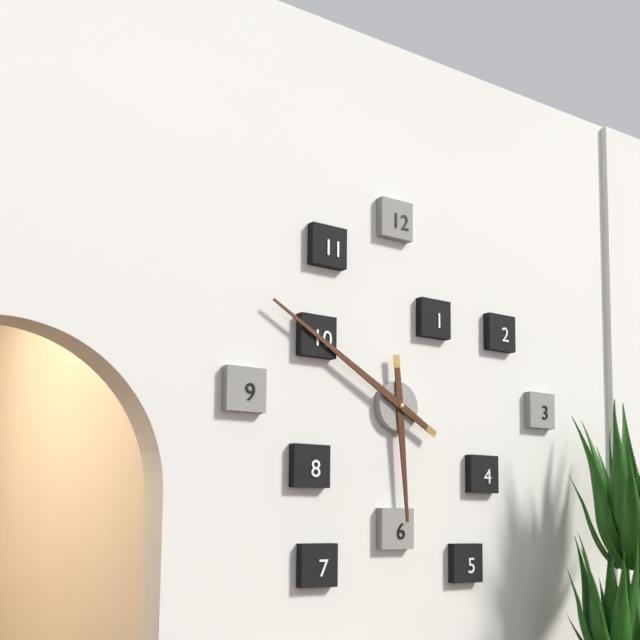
**5:50**
